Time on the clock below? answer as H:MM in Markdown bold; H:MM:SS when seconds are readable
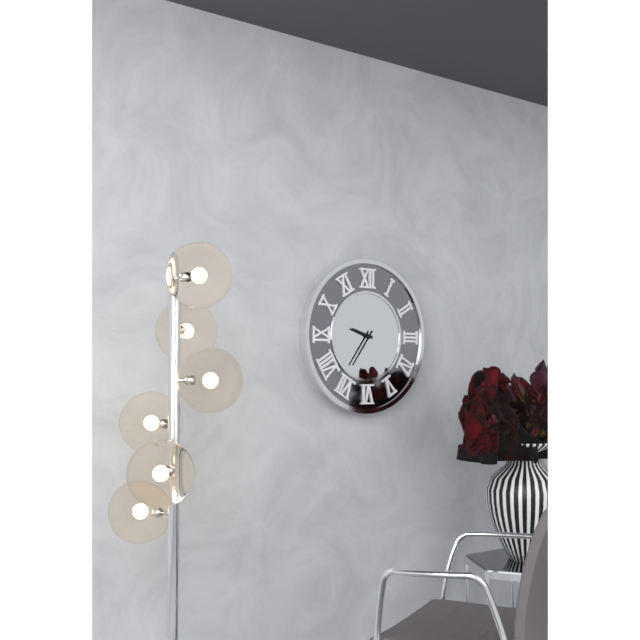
**9:36**
